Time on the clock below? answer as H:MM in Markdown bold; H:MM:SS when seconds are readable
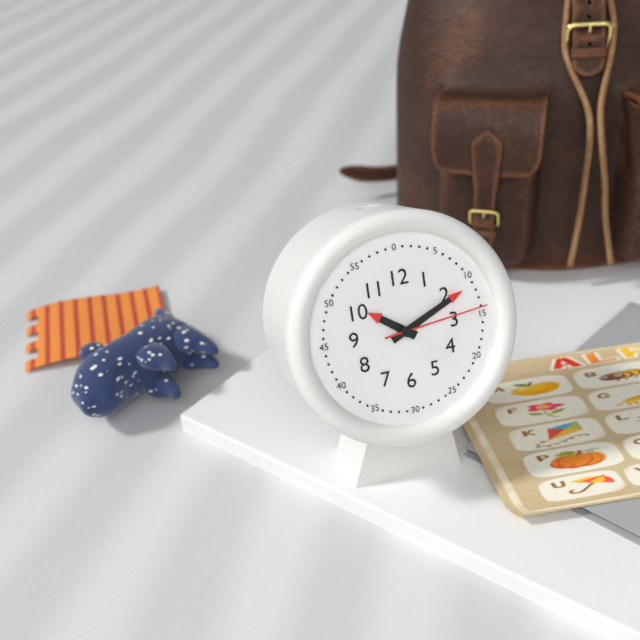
**10:11:14**
